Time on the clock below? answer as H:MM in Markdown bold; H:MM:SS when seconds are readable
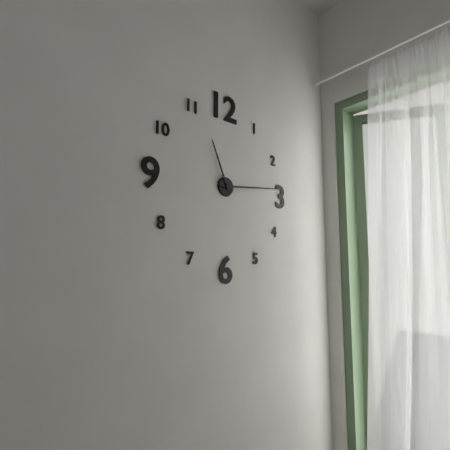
**11:14**
